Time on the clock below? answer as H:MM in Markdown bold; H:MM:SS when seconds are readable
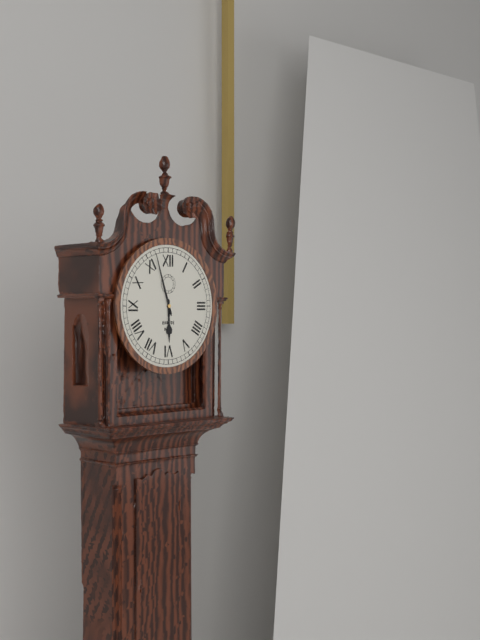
**5:57**
